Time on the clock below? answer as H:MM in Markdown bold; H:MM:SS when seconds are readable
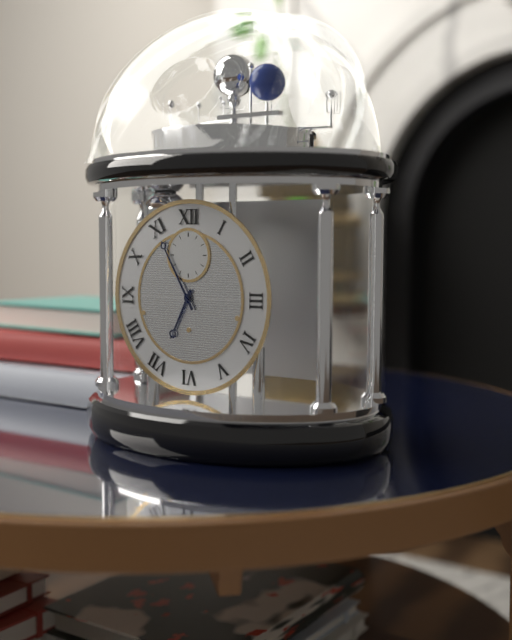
**6:55**
